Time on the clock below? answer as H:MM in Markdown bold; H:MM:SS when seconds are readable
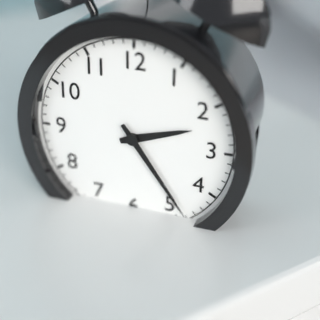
**2:24**
